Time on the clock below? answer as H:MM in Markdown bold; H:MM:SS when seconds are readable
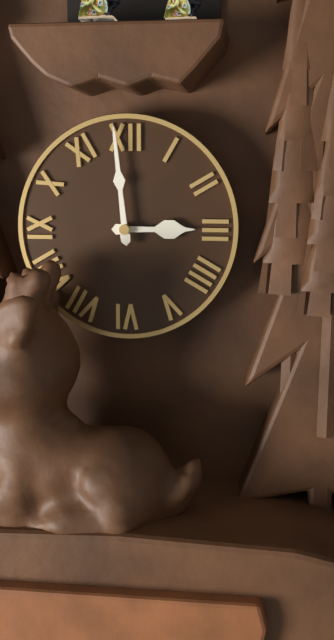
**2:59**
